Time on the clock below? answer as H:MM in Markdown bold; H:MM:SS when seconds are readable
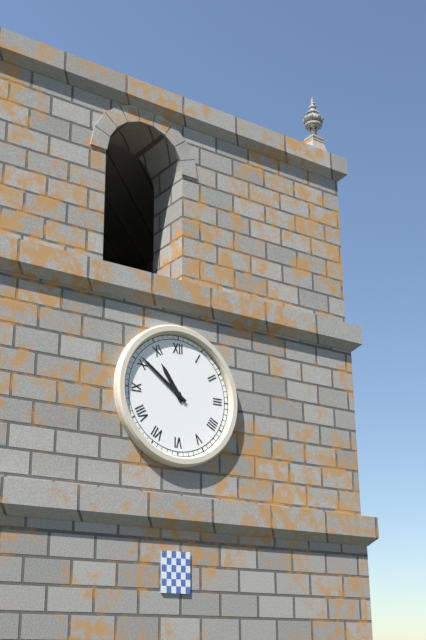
**10:51**
